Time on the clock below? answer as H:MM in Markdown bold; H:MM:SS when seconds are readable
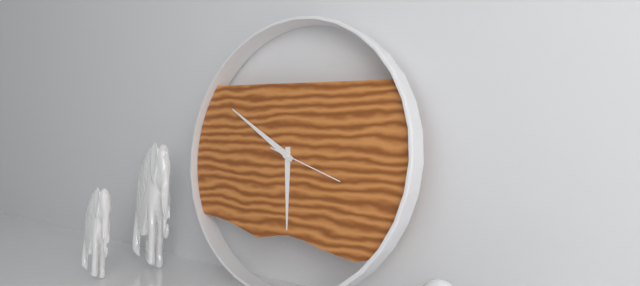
**5:50:18**
